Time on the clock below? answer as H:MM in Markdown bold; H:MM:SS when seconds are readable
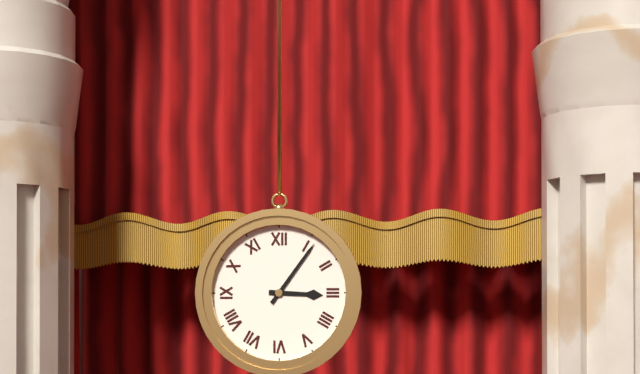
**3:06**
